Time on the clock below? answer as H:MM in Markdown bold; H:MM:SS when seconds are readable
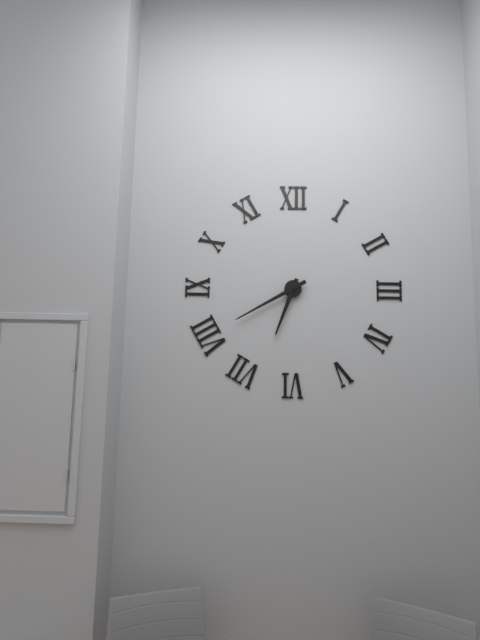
**6:40**
